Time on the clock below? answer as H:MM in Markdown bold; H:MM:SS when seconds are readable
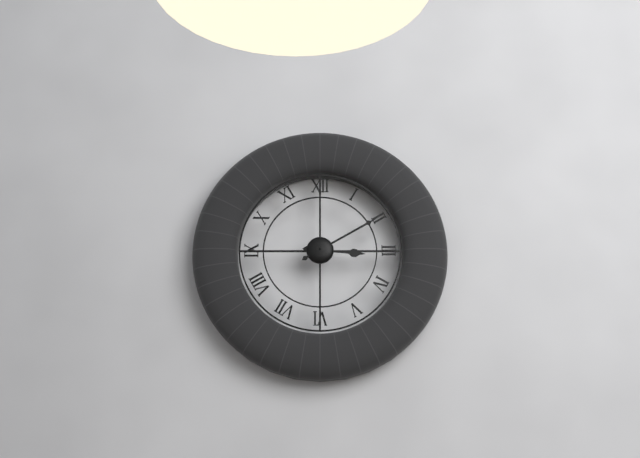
**3:10**
